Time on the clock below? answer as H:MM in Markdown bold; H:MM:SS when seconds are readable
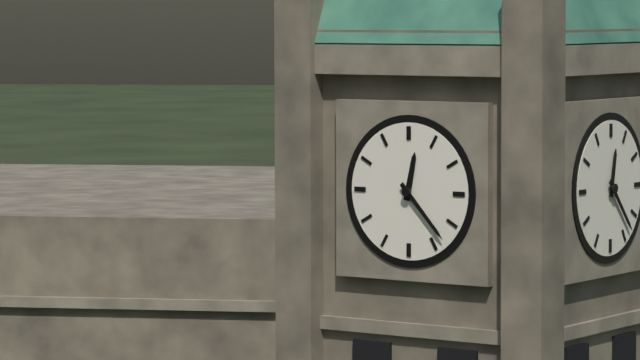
**12:23**
